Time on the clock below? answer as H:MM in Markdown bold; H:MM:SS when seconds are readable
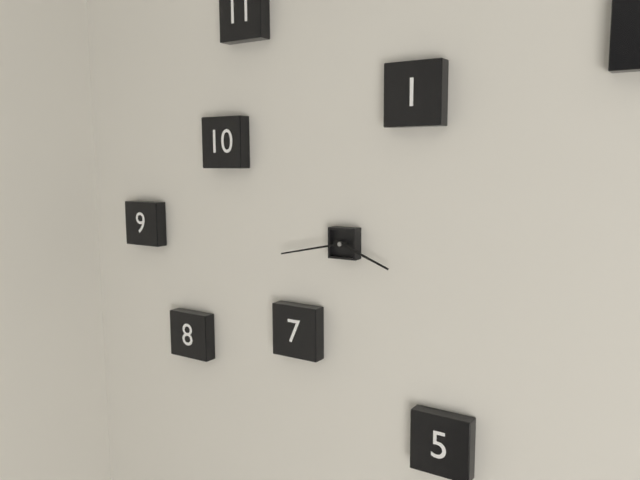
**3:43**
